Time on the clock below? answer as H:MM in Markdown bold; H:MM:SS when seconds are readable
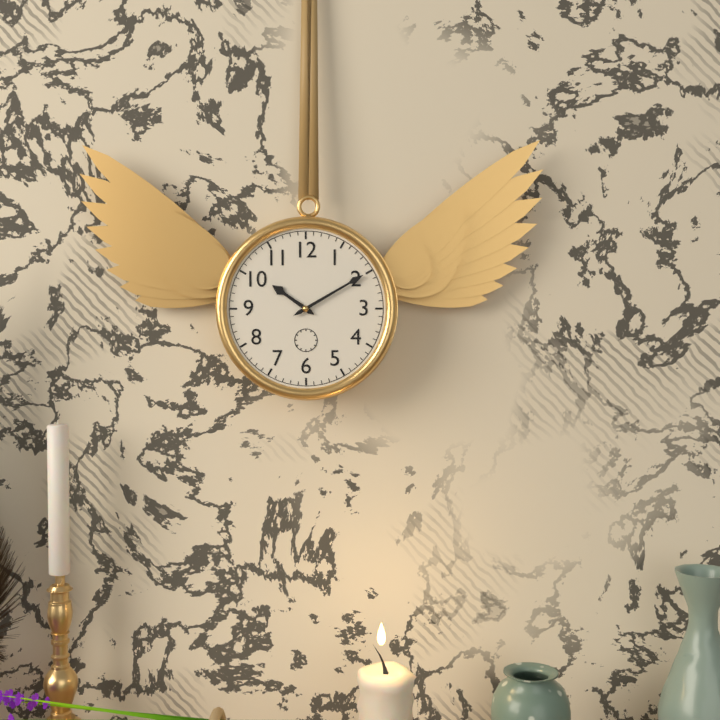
**10:10**
